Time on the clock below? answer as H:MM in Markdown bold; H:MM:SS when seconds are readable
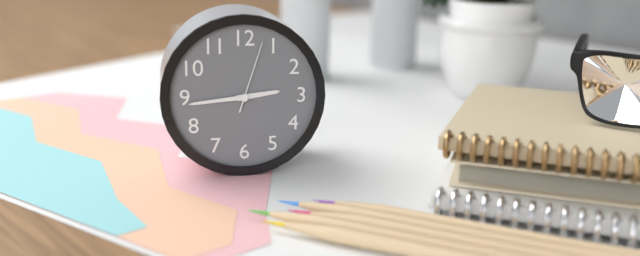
**2:44:03**
